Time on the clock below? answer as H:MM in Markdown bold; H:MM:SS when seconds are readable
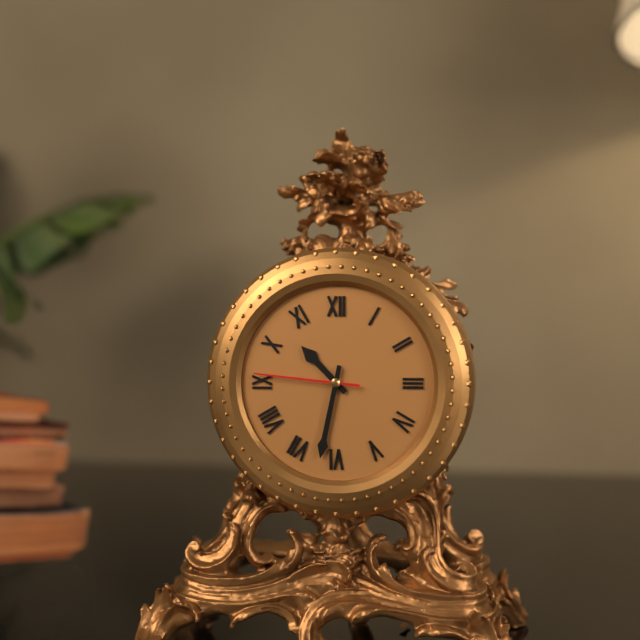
**10:32:46**
